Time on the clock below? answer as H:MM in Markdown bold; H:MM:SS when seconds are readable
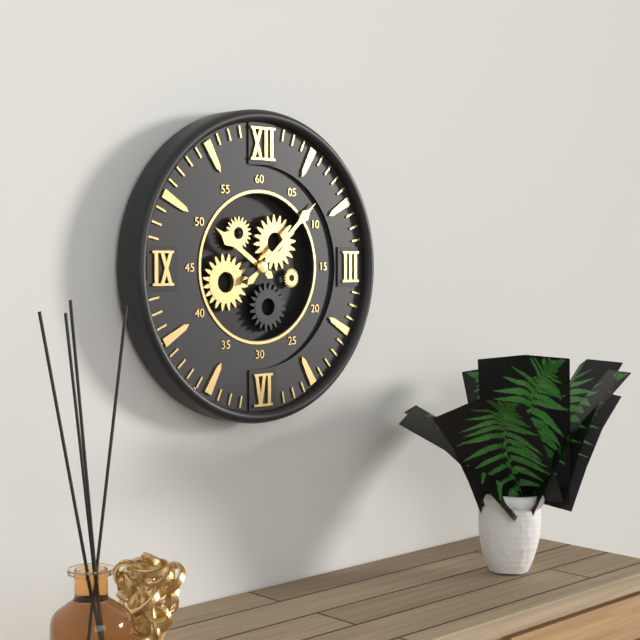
**10:08**
